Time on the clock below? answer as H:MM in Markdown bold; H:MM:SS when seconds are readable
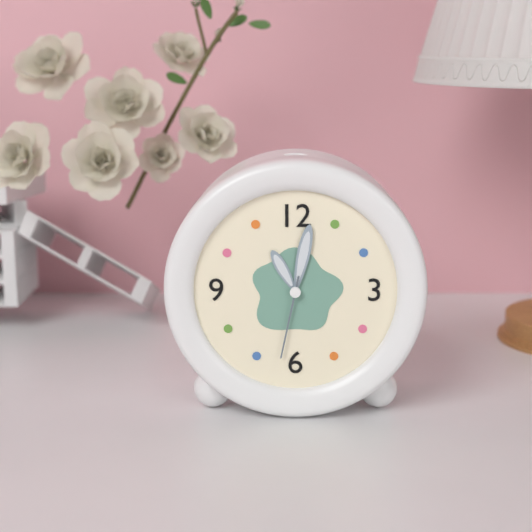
**11:02:32**
